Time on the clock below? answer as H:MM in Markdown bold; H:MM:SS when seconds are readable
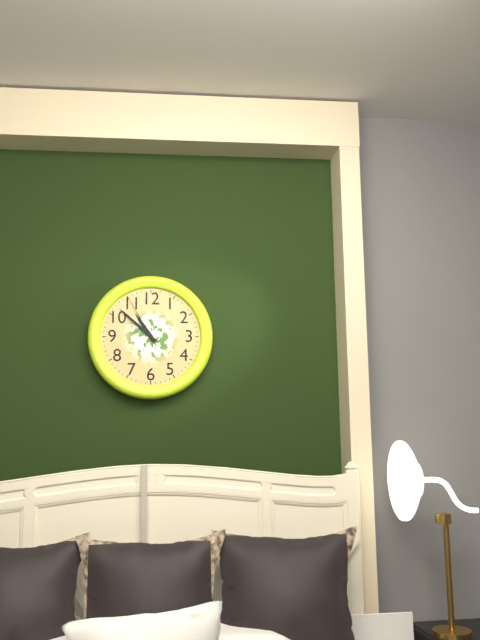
**10:52:55**
